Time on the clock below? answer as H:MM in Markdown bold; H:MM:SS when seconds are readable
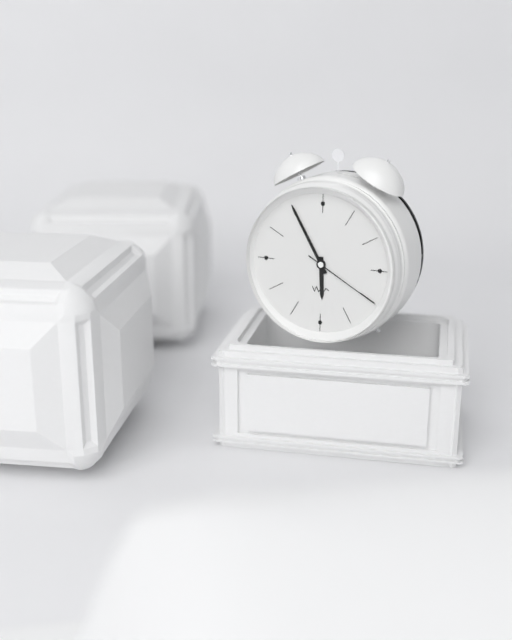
**5:55:20**
